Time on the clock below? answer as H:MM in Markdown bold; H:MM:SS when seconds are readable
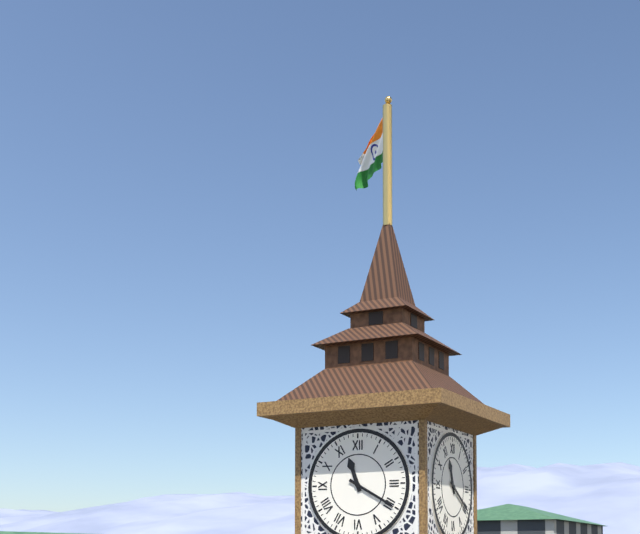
**11:20**
